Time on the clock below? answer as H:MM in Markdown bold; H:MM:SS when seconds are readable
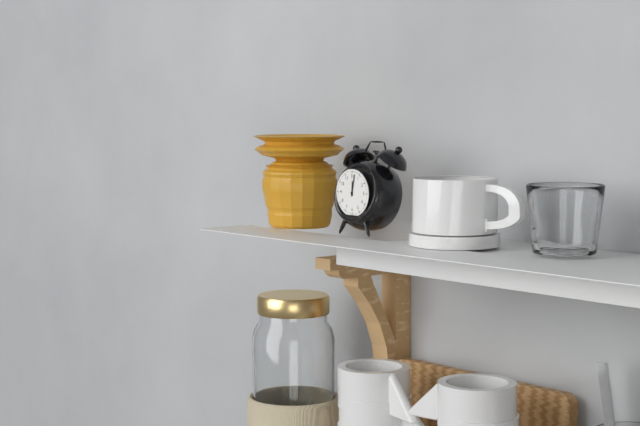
**12:02**
